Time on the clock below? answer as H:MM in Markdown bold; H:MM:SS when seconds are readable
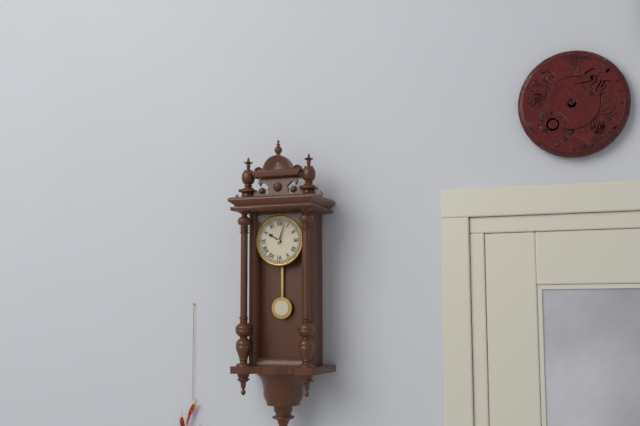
**10:03**
